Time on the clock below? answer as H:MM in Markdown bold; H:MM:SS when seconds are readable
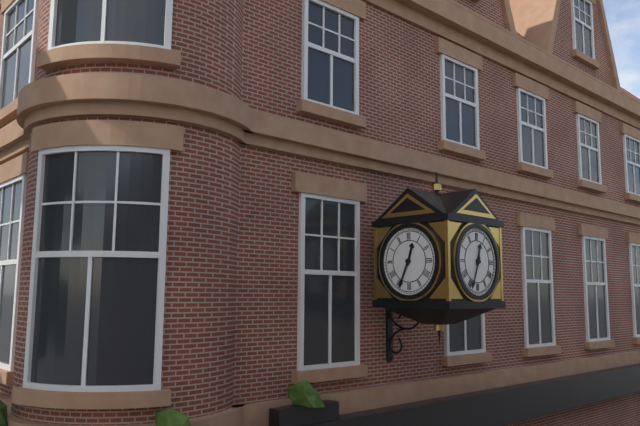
**12:34**
